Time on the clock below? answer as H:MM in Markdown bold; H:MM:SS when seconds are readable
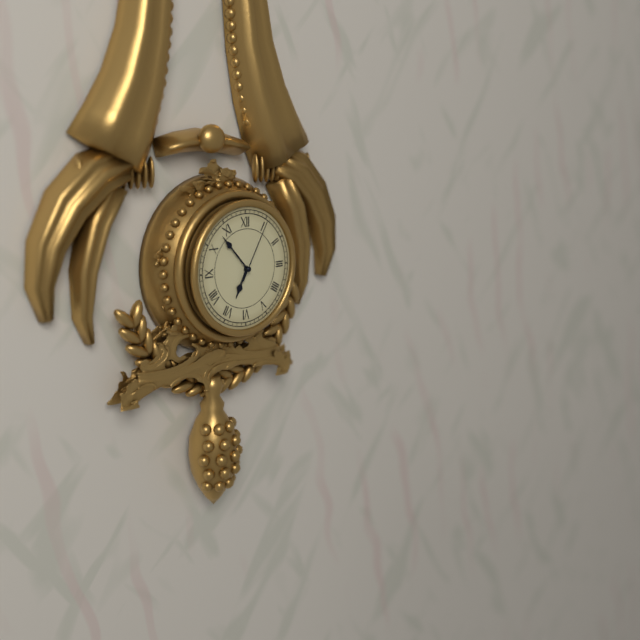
**6:53:05**
